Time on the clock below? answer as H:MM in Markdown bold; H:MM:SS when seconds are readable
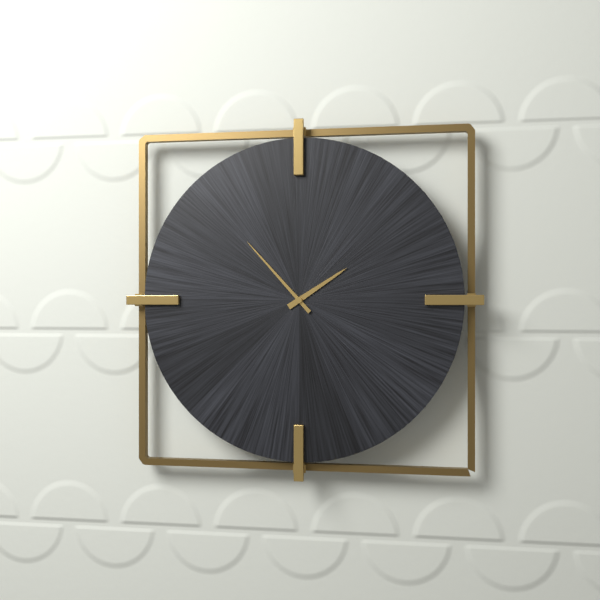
**1:53**
